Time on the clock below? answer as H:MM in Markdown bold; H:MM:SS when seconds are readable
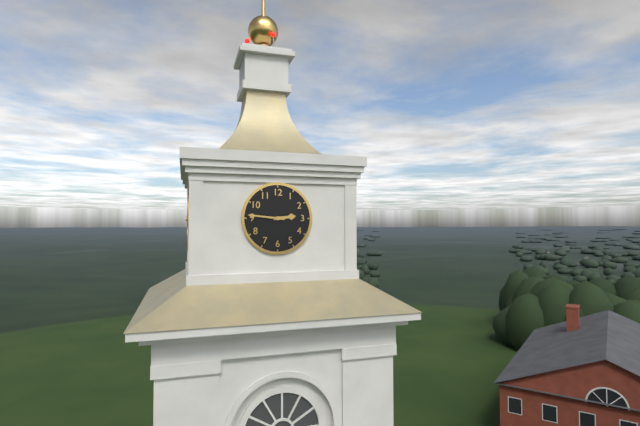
**2:46**
